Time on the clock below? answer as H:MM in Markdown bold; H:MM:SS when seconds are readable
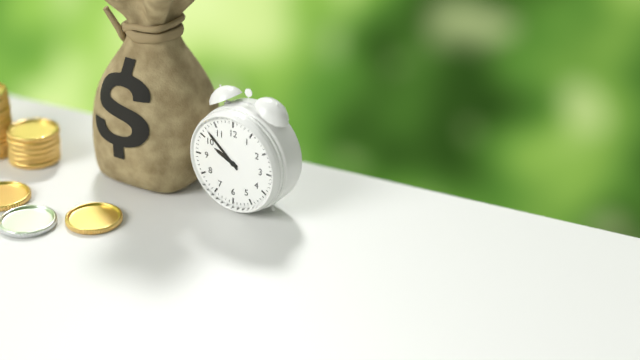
**9:52**
